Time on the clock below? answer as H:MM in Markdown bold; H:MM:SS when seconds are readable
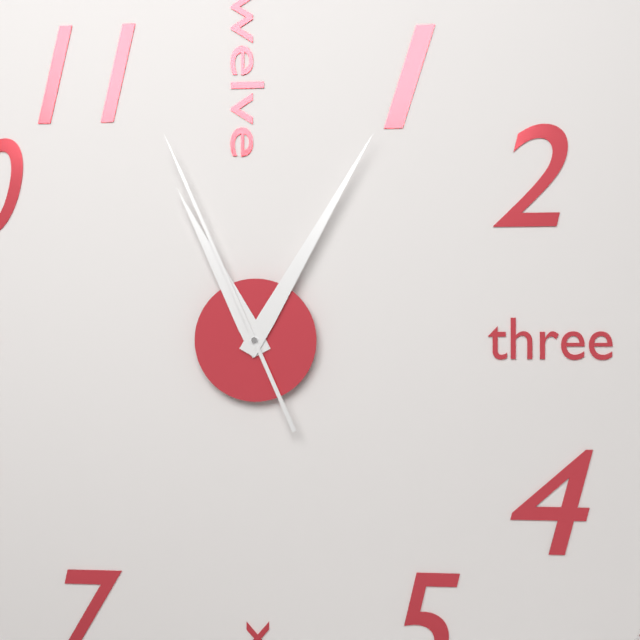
**11:05:56**
